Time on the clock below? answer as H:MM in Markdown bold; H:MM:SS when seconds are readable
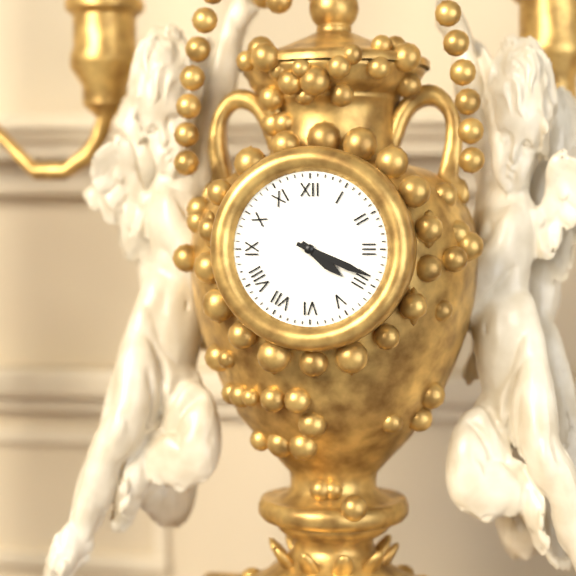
**4:19**
